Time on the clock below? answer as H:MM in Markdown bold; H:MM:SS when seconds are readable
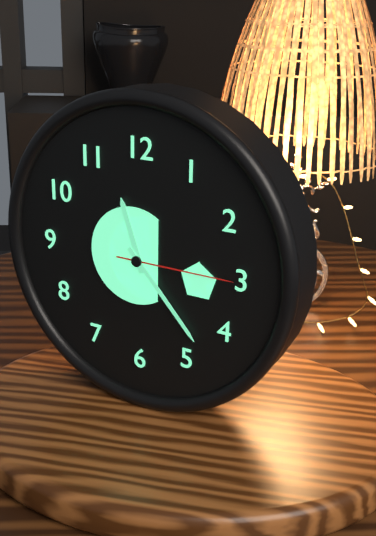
**11:23:15**
